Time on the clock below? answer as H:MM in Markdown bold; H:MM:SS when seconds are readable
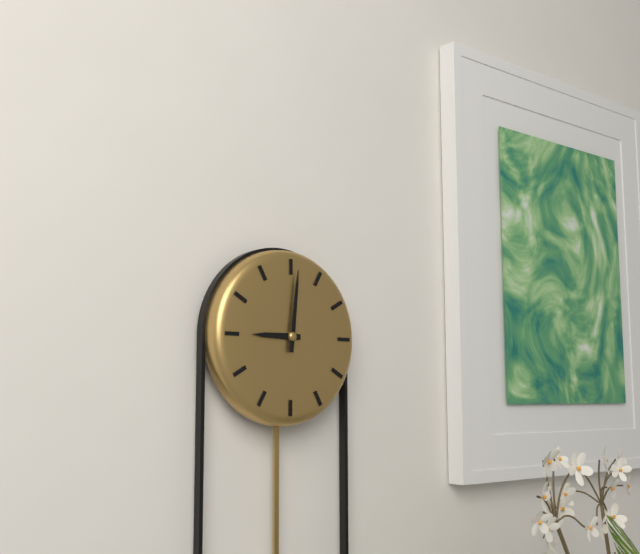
**9:01**
